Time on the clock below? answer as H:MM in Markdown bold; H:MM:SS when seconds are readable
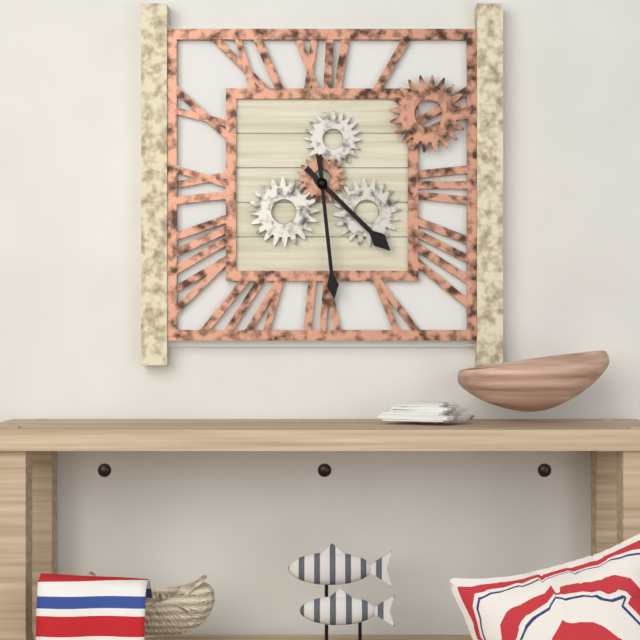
**4:29**
